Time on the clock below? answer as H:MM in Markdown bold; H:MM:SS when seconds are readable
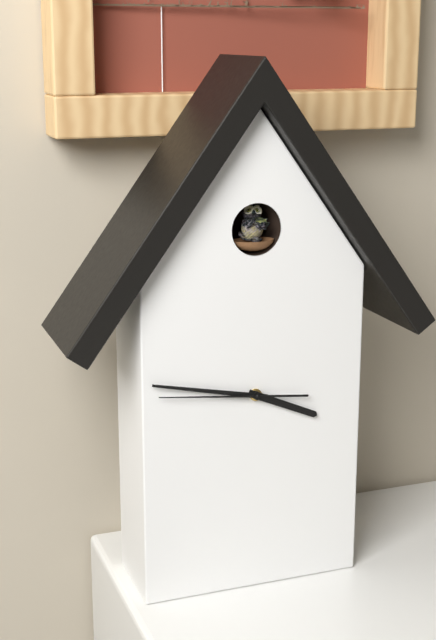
**3:47:46**
